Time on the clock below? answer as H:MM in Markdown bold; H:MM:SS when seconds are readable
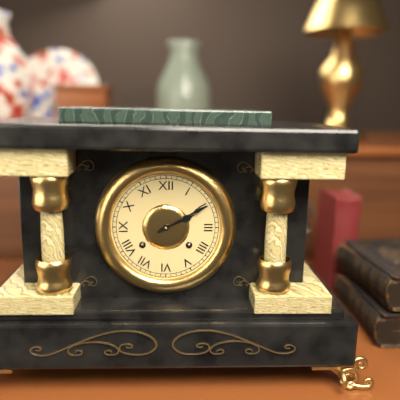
**2:10**
